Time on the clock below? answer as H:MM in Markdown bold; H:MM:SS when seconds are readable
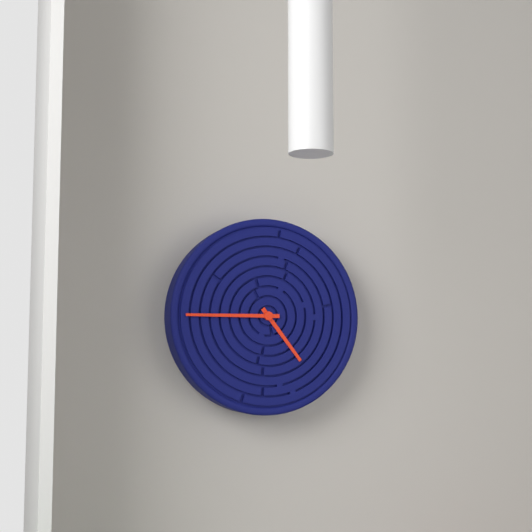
**4:45**
